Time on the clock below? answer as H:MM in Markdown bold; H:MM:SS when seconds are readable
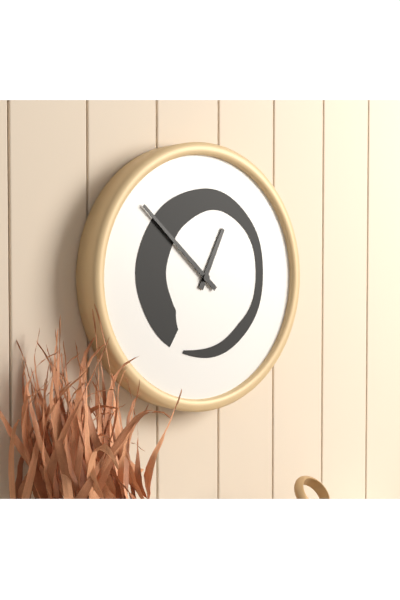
**12:52**
